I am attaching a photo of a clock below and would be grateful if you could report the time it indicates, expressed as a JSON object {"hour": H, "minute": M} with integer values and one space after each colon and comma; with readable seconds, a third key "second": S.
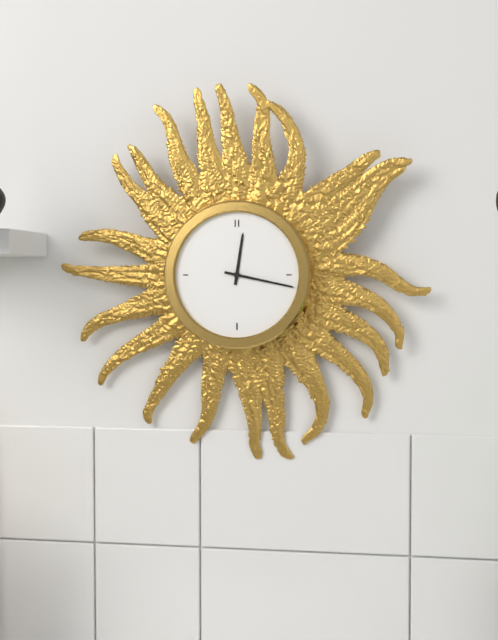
{"hour": 12, "minute": 17}
